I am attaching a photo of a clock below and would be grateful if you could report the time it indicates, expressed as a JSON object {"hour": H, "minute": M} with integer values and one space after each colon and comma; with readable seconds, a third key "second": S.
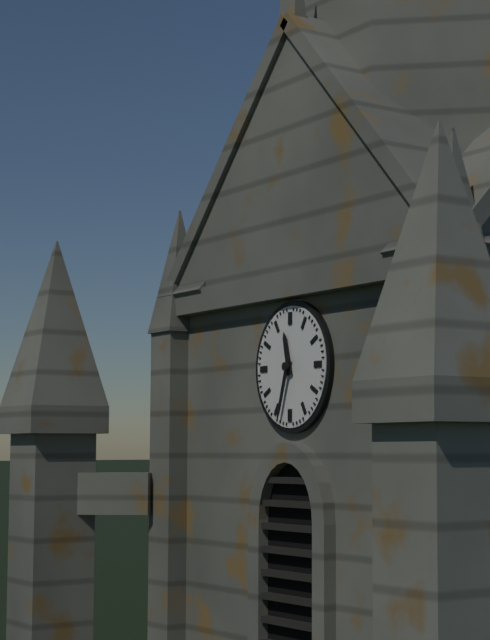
{"hour": 11, "minute": 33}
